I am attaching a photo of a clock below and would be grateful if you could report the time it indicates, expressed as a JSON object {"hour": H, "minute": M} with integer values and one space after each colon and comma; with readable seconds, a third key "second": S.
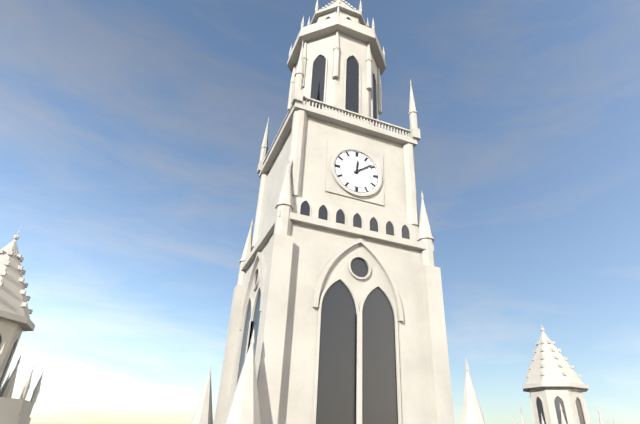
{"hour": 12, "minute": 9}
